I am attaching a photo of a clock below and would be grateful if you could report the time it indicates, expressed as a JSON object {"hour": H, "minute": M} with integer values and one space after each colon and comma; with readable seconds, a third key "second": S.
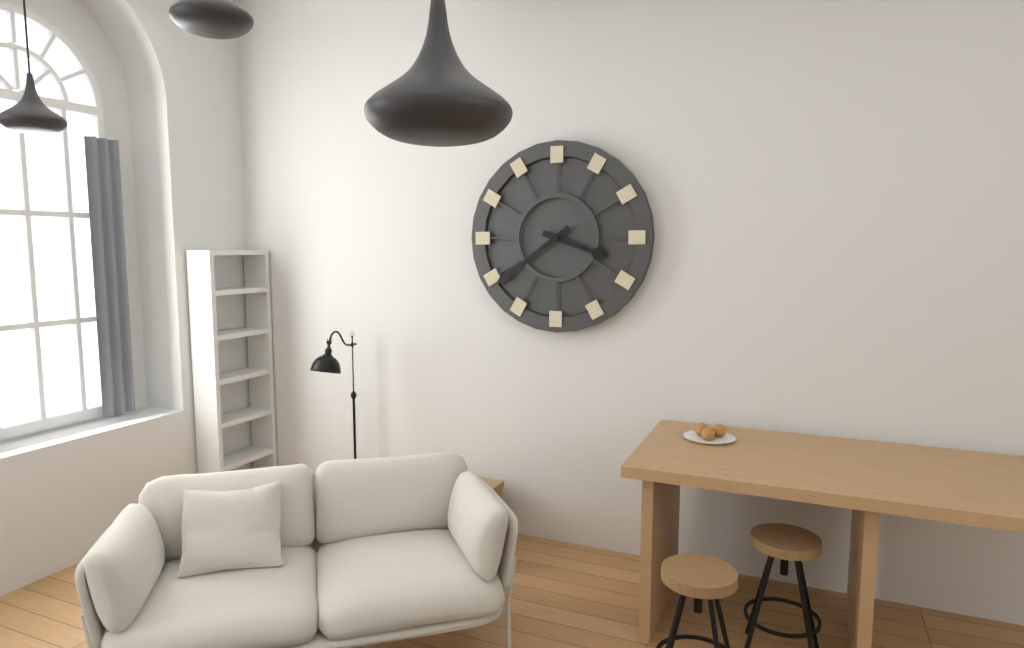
{"hour": 3, "minute": 39}
